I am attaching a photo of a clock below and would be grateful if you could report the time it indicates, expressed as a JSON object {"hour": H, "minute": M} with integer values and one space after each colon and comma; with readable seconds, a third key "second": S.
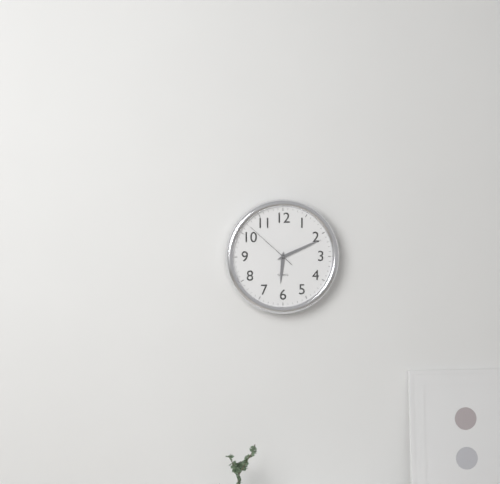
{"hour": 6, "minute": 11, "second": 52}
